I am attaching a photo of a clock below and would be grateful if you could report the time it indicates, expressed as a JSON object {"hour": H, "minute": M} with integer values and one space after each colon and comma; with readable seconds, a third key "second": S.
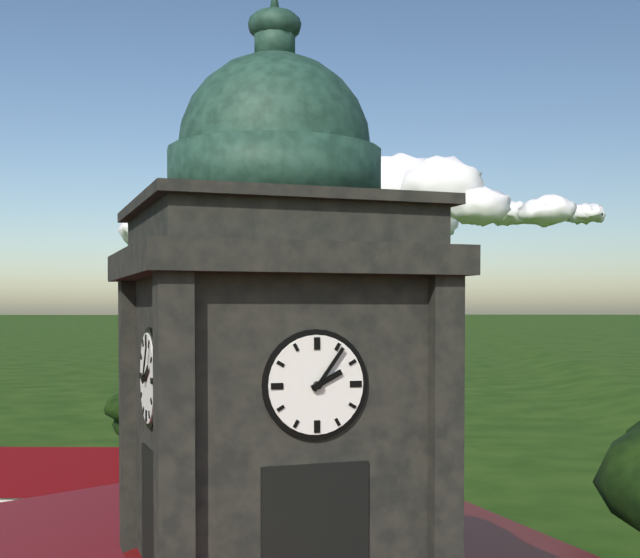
{"hour": 2, "minute": 6}
